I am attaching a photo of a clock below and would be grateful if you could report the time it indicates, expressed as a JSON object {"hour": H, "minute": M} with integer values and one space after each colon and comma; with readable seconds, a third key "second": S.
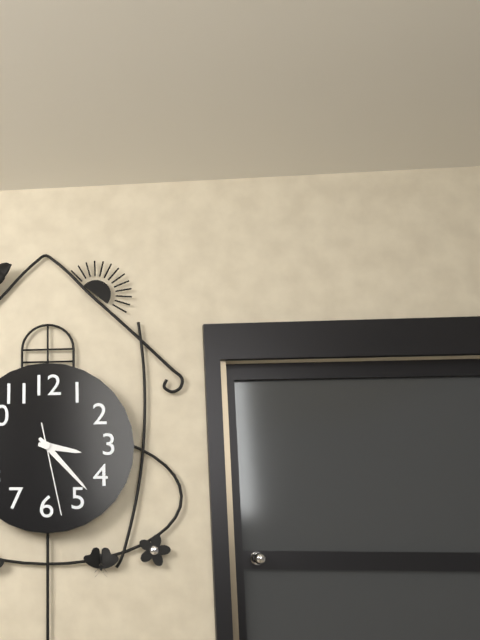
{"hour": 3, "minute": 23, "second": 28}
